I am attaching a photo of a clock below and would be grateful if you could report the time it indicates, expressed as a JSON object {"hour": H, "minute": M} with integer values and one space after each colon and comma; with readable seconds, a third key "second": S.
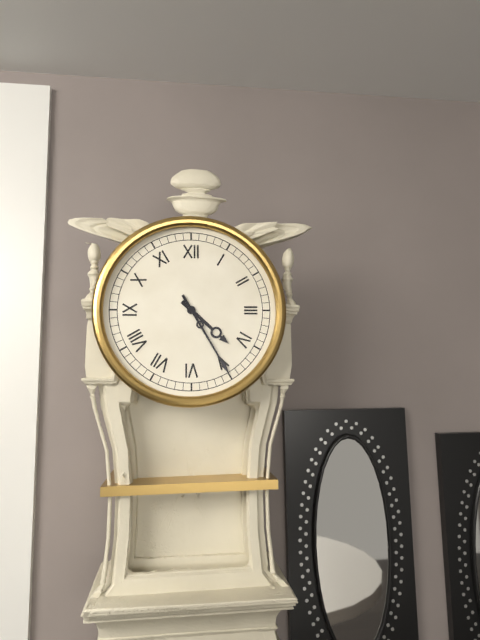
{"hour": 4, "minute": 25}
